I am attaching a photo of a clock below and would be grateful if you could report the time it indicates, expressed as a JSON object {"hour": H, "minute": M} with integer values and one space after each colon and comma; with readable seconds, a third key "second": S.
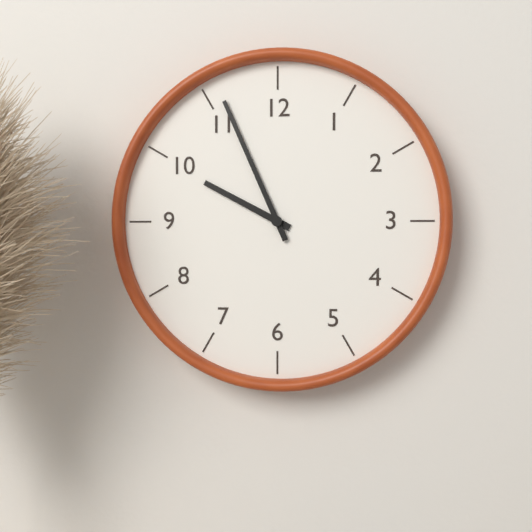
{"hour": 9, "minute": 56}
